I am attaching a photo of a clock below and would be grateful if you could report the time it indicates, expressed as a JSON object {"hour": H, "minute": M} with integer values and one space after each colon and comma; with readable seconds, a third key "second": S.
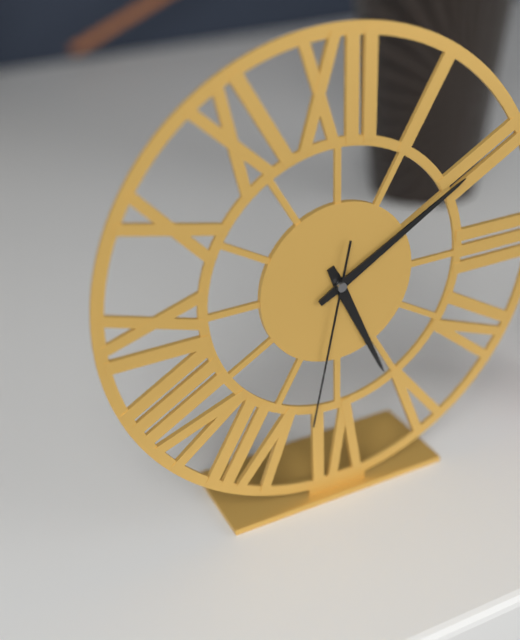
{"hour": 5, "minute": 10, "second": 32}
